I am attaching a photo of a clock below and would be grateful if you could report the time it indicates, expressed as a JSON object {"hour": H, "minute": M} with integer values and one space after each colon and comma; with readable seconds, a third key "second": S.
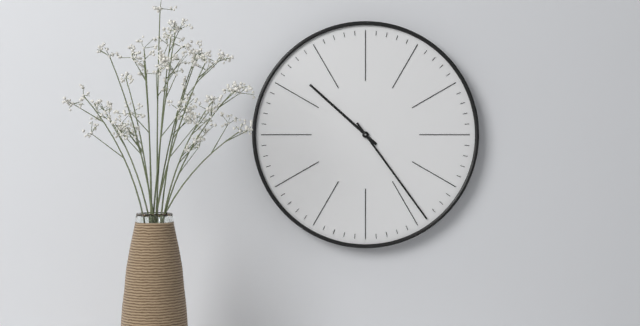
{"hour": 10, "minute": 24}
